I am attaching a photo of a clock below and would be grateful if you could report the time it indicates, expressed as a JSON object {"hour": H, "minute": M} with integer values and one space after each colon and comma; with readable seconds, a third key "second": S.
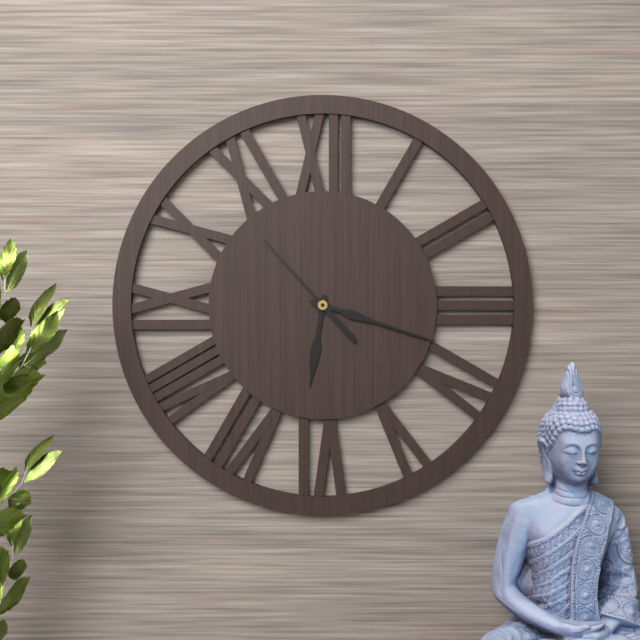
{"hour": 6, "minute": 18, "second": 53}
